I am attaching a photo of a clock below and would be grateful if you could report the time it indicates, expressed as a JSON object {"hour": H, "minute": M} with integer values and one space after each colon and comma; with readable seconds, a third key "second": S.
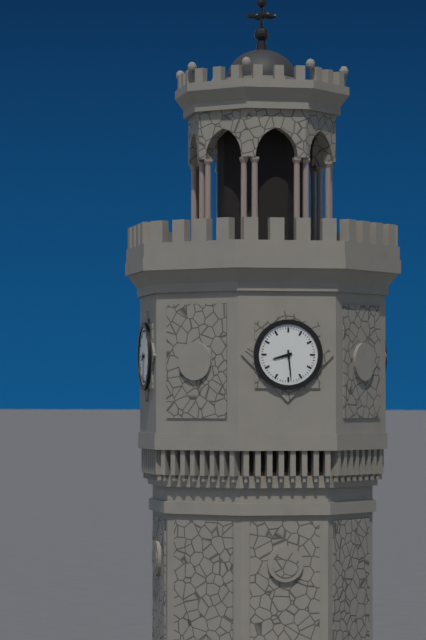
{"hour": 8, "minute": 29}
